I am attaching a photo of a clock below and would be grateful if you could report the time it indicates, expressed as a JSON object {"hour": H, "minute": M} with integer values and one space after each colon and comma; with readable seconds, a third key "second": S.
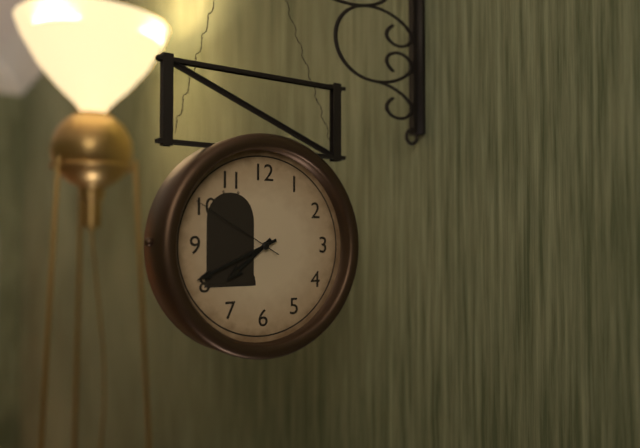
{"hour": 7, "minute": 41, "second": 50}
